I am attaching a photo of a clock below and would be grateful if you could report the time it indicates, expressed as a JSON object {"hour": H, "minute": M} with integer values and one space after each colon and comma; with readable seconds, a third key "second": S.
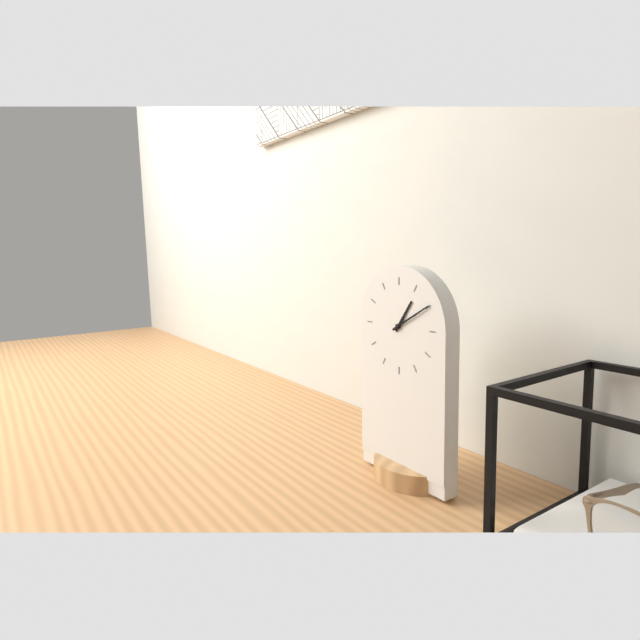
{"hour": 1, "minute": 10}
